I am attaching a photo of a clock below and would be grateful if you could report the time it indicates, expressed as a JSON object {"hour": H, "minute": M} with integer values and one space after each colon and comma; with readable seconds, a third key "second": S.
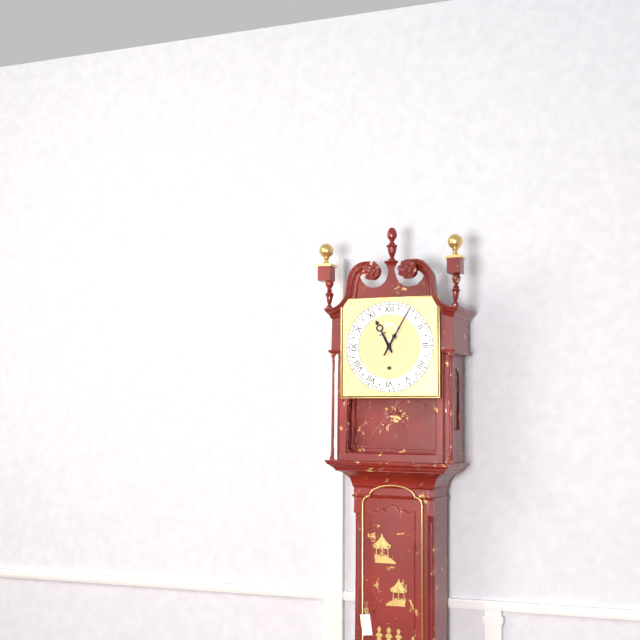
{"hour": 11, "minute": 5}
